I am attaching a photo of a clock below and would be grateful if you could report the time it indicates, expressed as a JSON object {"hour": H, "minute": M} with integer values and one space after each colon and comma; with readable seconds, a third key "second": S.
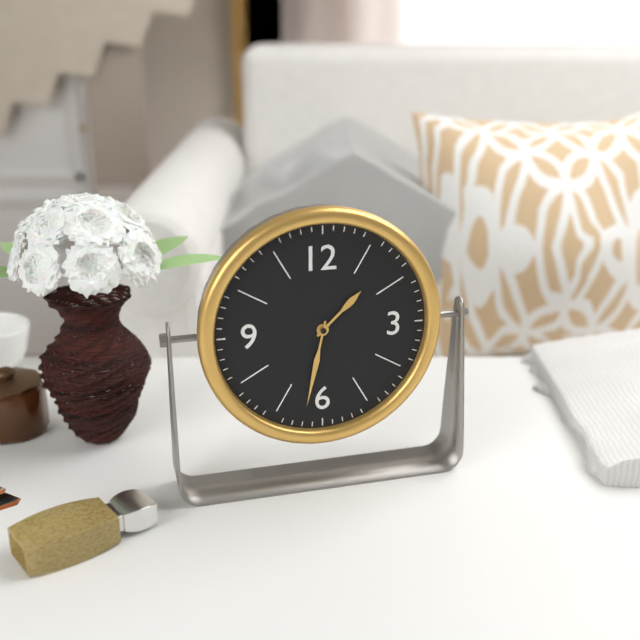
{"hour": 1, "minute": 32}
